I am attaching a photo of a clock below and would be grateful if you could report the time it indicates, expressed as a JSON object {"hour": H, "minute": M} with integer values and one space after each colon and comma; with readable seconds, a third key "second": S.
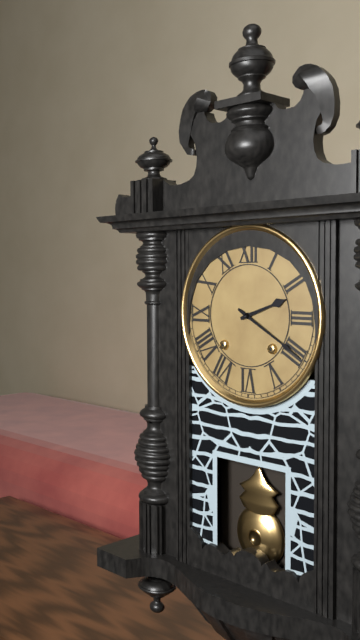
{"hour": 2, "minute": 20}
